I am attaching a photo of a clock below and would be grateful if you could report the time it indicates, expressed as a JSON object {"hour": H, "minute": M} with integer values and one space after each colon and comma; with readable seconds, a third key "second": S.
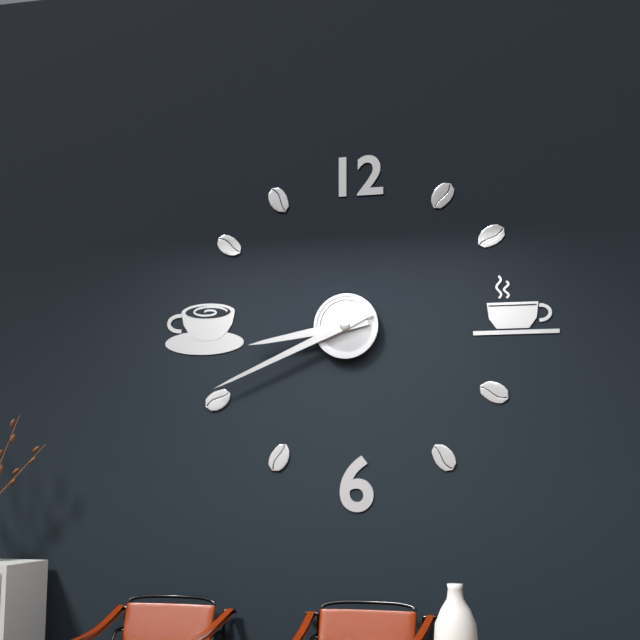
{"hour": 8, "minute": 41}
